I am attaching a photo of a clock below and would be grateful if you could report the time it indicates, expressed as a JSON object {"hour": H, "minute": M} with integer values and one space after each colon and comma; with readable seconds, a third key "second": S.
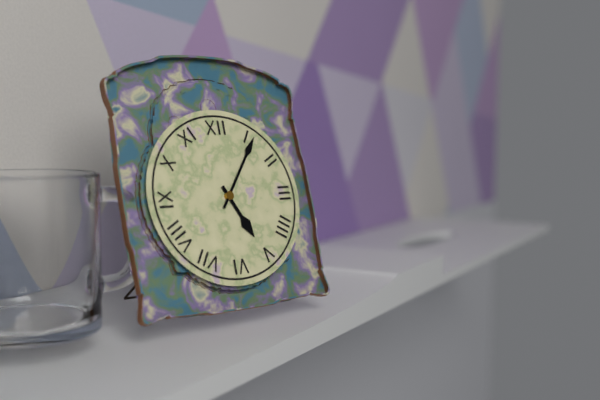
{"hour": 5, "minute": 6}
